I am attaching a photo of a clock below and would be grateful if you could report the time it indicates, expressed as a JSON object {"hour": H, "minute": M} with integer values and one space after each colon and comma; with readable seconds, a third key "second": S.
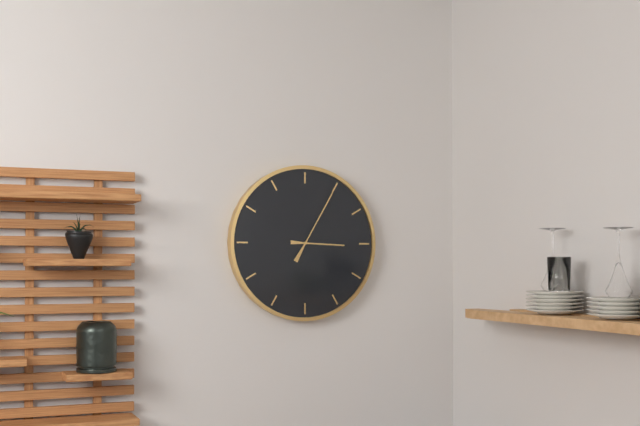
{"hour": 3, "minute": 5}
